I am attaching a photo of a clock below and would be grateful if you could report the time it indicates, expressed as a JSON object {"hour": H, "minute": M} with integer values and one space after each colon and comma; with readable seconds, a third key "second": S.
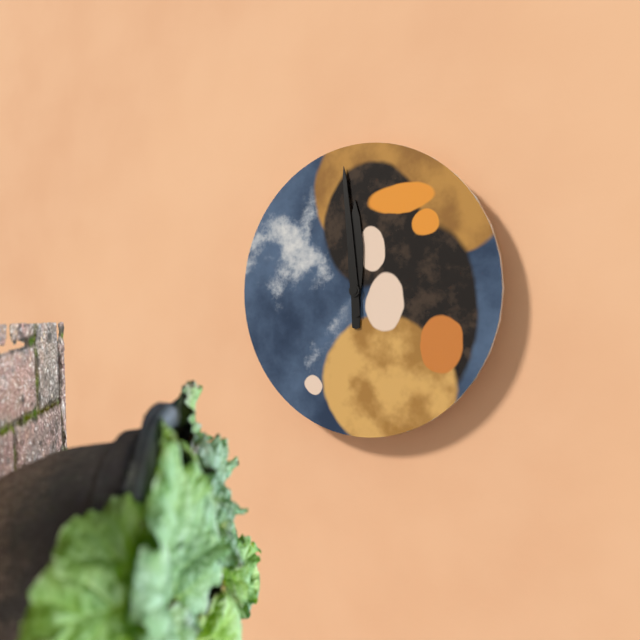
{"hour": 11, "minute": 59}
